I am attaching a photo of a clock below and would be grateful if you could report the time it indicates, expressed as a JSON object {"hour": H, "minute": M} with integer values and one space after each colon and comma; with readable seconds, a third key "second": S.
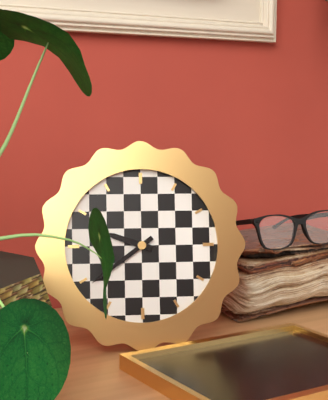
{"hour": 9, "minute": 39}
